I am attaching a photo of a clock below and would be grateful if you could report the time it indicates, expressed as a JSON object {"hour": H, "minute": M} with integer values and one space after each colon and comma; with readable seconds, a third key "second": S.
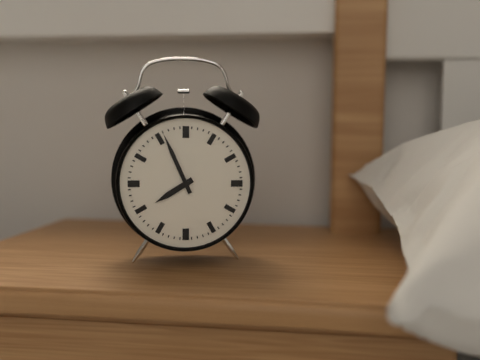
{"hour": 7, "minute": 56}
